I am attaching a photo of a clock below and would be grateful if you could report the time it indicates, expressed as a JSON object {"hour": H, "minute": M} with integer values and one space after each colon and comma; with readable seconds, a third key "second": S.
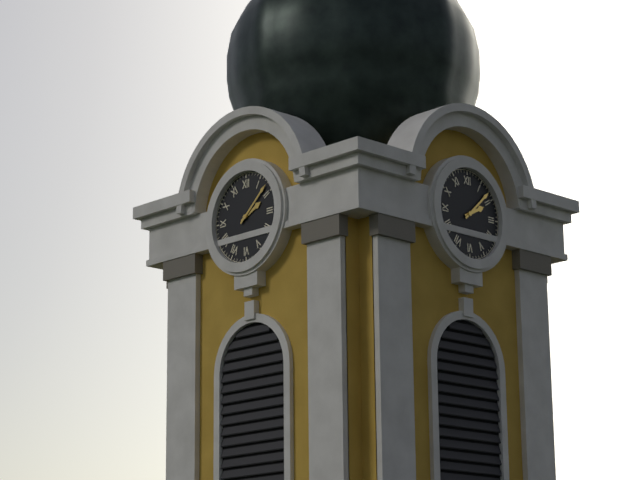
{"hour": 2, "minute": 8}
